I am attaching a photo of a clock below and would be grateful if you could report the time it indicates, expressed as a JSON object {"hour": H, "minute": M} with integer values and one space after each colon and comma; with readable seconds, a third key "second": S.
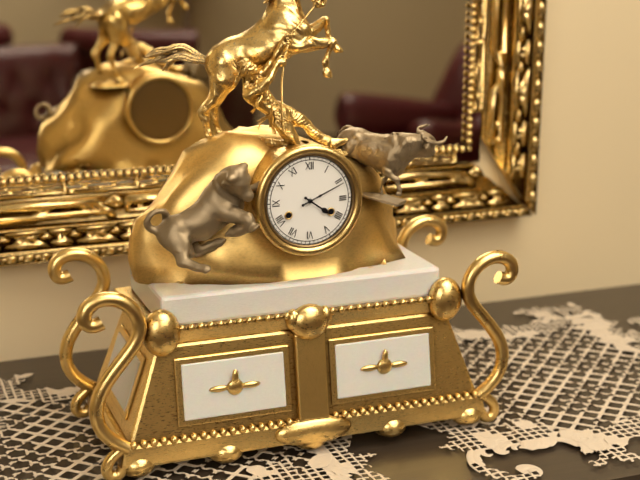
{"hour": 4, "minute": 11}
